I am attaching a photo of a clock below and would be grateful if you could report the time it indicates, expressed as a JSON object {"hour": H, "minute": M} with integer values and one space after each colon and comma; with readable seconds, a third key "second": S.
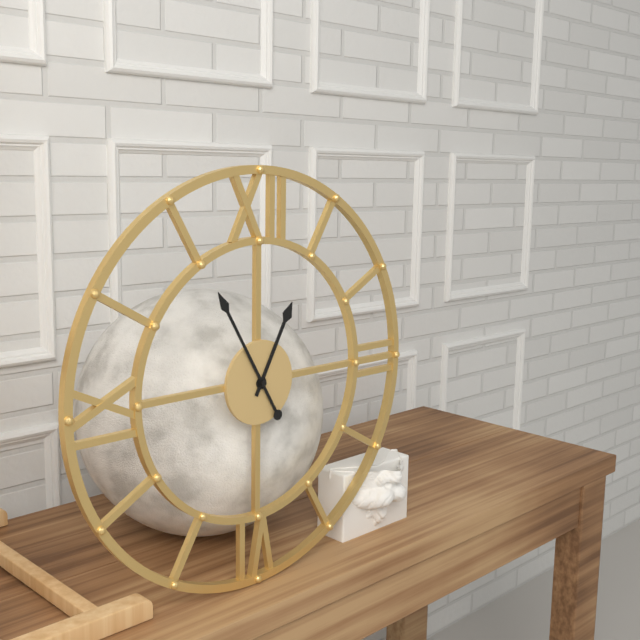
{"hour": 12, "minute": 55}
